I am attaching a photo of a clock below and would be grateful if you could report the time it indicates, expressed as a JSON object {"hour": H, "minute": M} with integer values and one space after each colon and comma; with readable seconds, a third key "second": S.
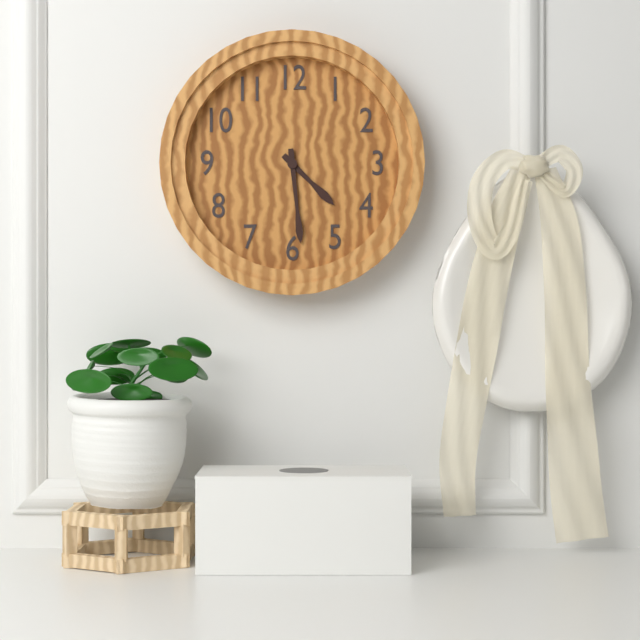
{"hour": 4, "minute": 29}
